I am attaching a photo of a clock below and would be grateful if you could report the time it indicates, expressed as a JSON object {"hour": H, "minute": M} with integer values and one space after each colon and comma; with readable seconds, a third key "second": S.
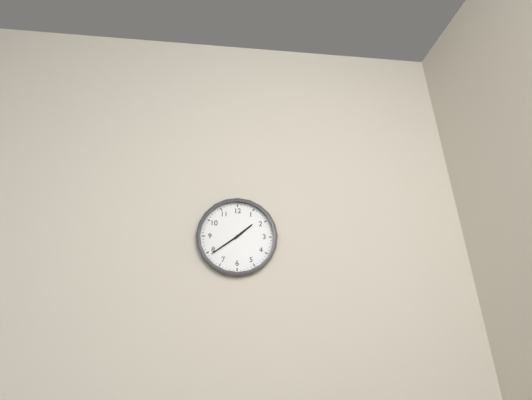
{"hour": 1, "minute": 39}
